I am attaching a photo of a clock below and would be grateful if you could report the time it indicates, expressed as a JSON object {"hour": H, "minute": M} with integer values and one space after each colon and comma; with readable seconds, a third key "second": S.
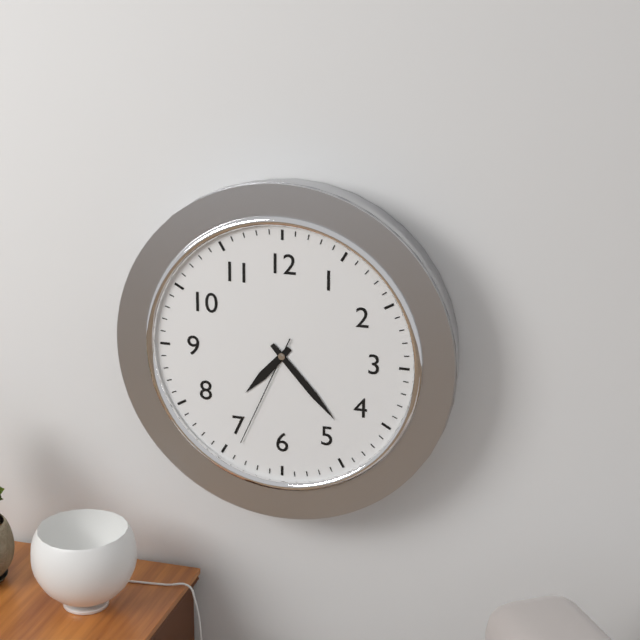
{"hour": 7, "minute": 23, "second": 34}
